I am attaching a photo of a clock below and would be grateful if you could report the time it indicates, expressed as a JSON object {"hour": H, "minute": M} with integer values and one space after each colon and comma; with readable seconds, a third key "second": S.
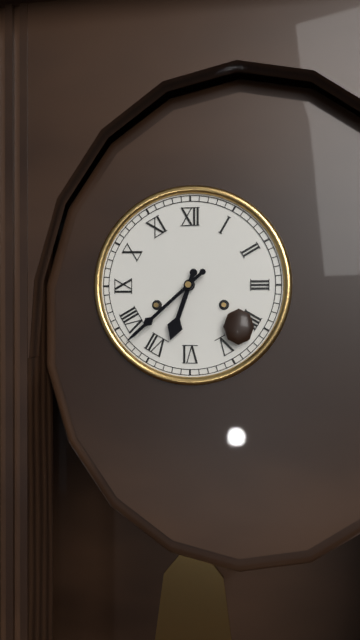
{"hour": 6, "minute": 38}
